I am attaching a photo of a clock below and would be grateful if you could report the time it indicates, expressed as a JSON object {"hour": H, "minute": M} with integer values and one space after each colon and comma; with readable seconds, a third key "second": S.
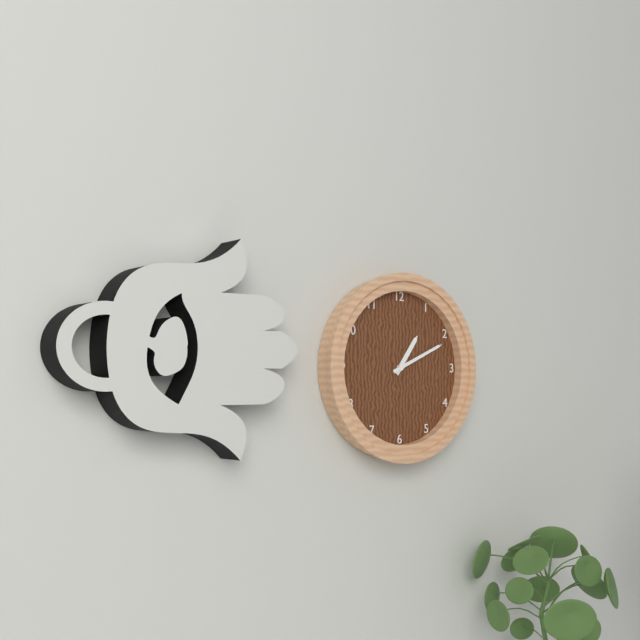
{"hour": 1, "minute": 11}
